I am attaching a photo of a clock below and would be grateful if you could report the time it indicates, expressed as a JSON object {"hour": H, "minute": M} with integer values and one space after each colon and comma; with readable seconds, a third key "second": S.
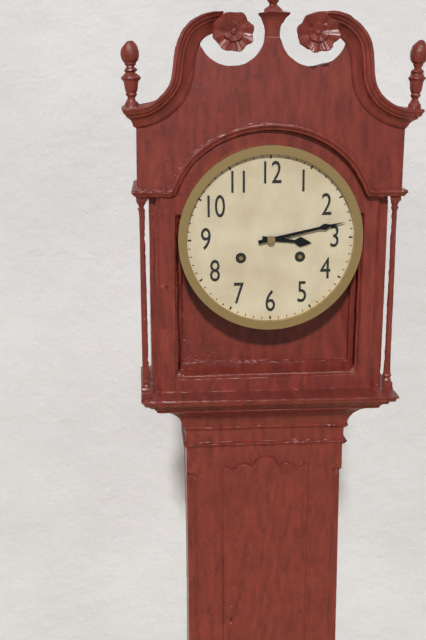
{"hour": 3, "minute": 13}
